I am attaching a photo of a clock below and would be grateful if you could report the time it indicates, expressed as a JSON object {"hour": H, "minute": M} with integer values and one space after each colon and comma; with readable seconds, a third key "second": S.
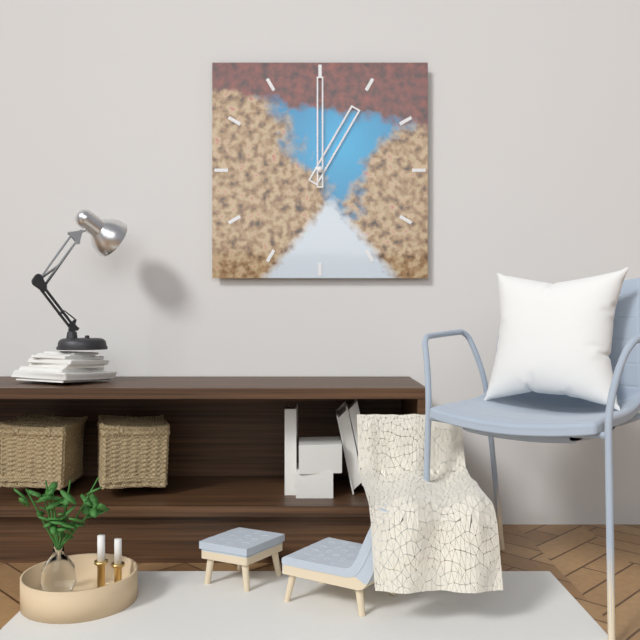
{"hour": 1, "minute": 0}
